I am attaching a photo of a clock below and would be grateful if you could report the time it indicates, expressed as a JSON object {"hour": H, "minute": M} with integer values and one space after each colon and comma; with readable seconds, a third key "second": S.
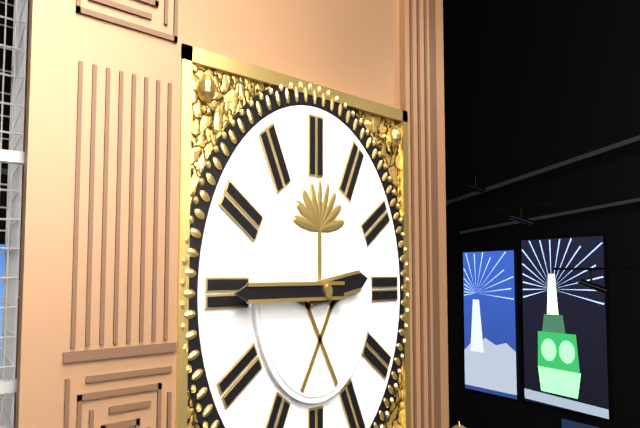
{"hour": 2, "minute": 45}
